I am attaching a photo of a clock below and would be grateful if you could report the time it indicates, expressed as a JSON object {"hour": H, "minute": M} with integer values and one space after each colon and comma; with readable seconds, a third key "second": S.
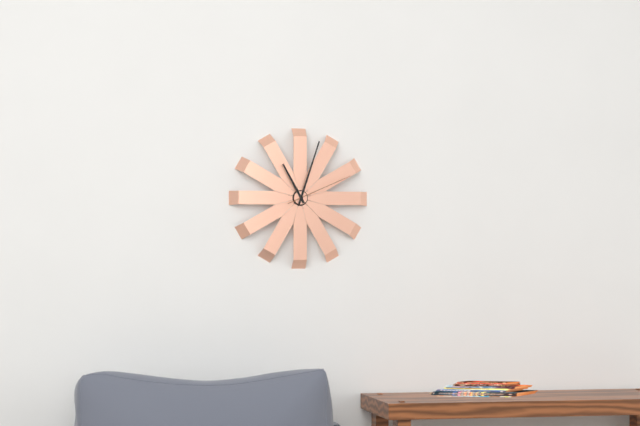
{"hour": 11, "minute": 3, "second": 11}
